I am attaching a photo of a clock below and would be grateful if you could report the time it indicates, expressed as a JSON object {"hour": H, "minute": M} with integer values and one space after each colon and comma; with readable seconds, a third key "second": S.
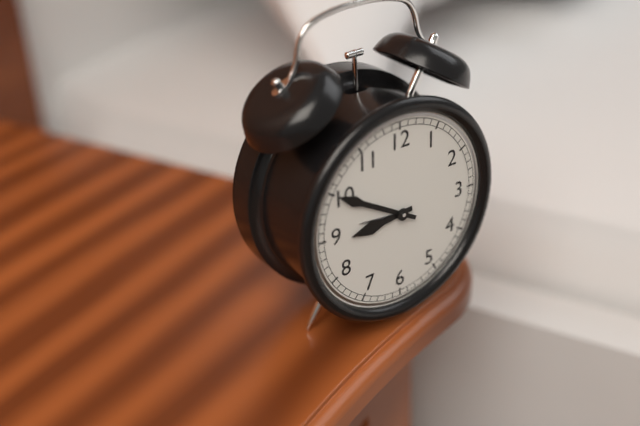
{"hour": 8, "minute": 50}
